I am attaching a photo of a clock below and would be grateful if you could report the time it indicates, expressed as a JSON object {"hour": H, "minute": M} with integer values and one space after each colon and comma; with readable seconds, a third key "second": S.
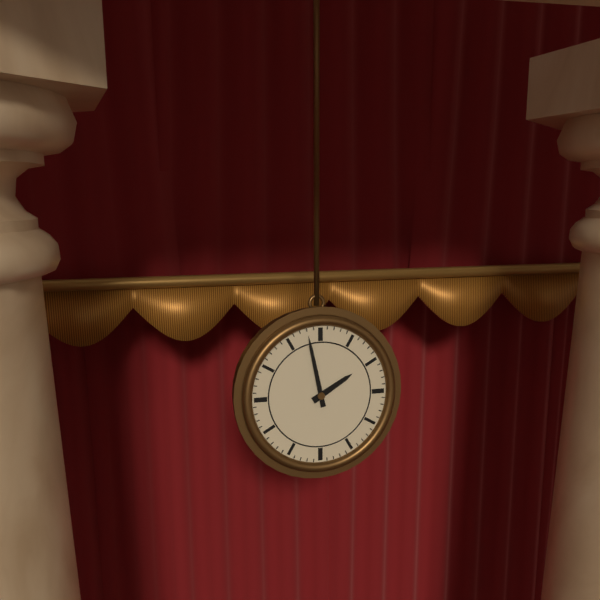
{"hour": 1, "minute": 58}
